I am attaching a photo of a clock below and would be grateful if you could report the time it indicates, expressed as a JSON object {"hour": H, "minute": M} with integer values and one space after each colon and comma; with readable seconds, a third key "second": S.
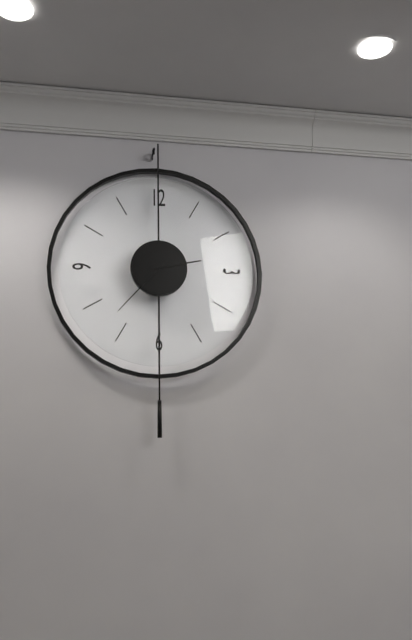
{"hour": 2, "minute": 37}
